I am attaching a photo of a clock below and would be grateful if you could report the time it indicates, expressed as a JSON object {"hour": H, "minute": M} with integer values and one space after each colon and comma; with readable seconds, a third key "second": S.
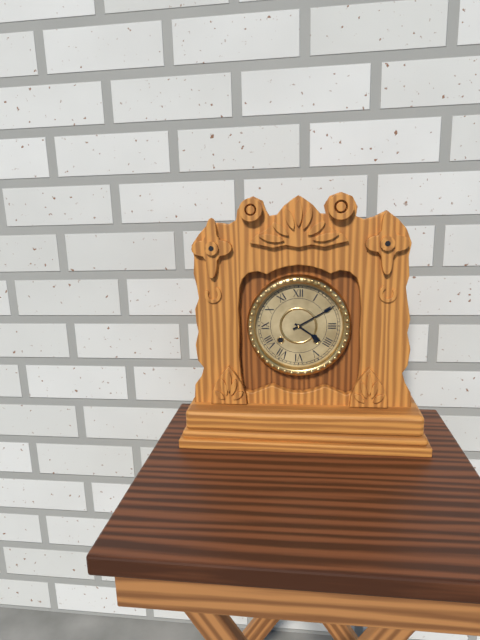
{"hour": 4, "minute": 10}
